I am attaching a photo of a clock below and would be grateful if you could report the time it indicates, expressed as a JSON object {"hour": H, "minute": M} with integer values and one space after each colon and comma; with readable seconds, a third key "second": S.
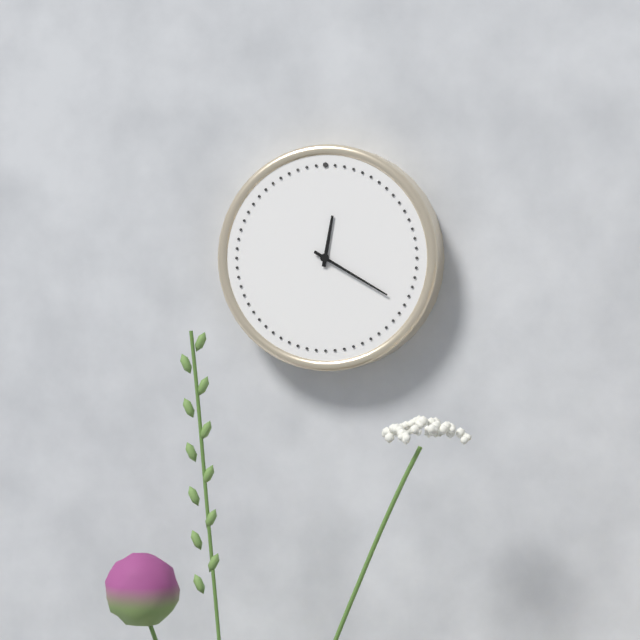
{"hour": 12, "minute": 20}
